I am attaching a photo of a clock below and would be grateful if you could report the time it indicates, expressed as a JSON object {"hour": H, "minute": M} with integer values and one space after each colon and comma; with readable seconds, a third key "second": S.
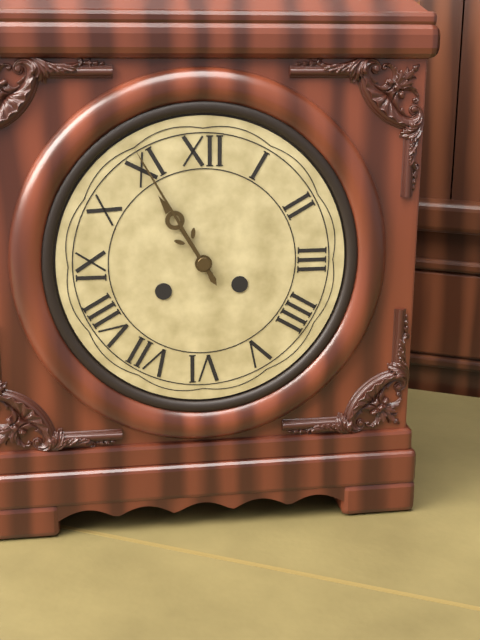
{"hour": 10, "minute": 55}
